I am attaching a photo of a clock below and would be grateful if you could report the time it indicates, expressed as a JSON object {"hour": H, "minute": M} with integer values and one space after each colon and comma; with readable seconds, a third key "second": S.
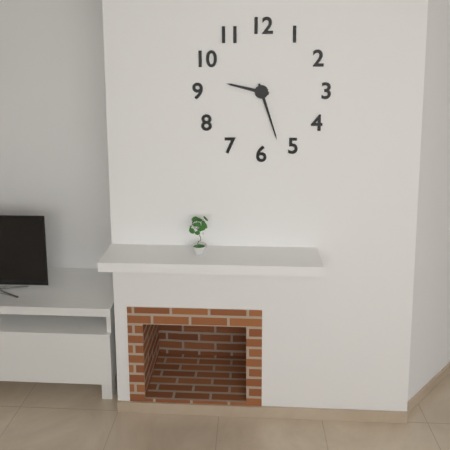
{"hour": 9, "minute": 27}
